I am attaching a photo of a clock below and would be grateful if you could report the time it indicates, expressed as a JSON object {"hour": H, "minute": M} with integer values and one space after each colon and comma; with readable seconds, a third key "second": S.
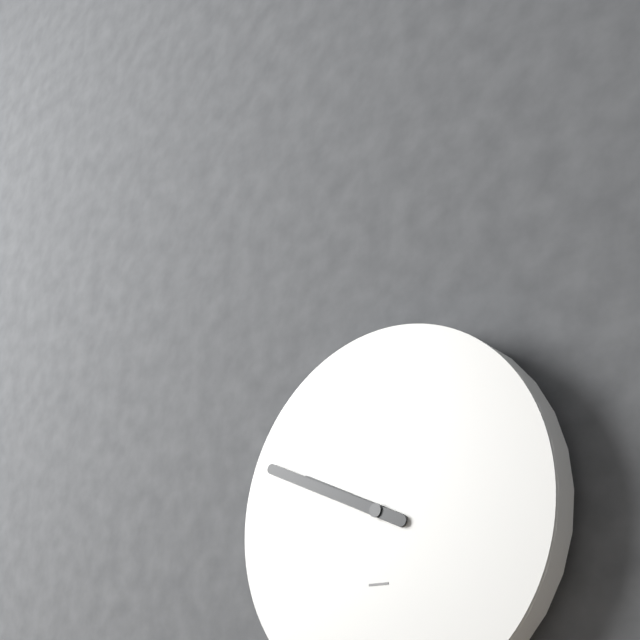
{"hour": 9, "minute": 49}
